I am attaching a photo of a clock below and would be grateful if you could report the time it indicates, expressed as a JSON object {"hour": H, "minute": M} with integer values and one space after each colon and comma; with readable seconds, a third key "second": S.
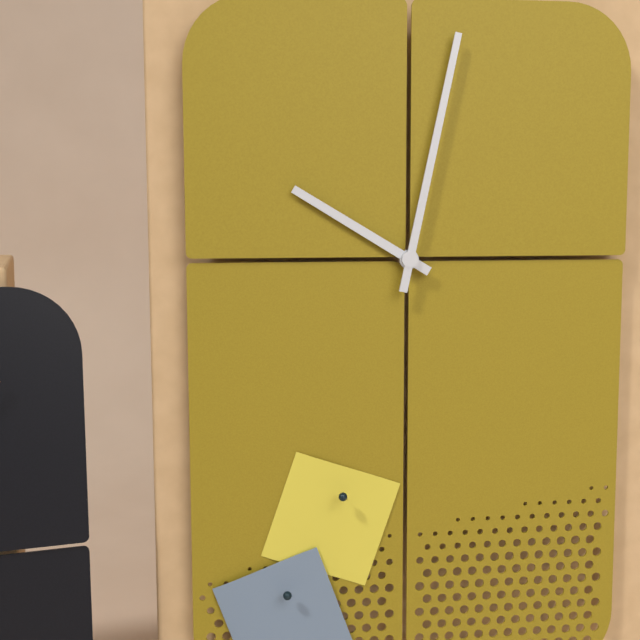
{"hour": 10, "minute": 2}
